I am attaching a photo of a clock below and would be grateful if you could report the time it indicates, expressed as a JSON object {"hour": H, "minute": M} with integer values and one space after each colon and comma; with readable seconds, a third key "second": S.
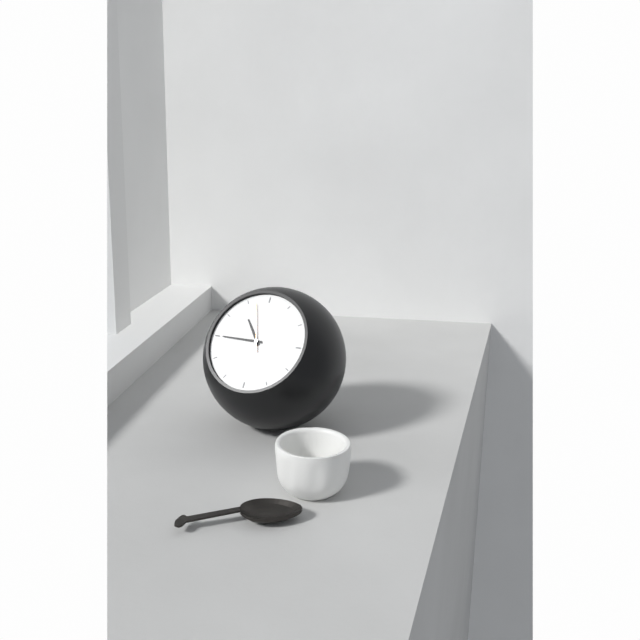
{"hour": 10, "minute": 45, "second": 57}
